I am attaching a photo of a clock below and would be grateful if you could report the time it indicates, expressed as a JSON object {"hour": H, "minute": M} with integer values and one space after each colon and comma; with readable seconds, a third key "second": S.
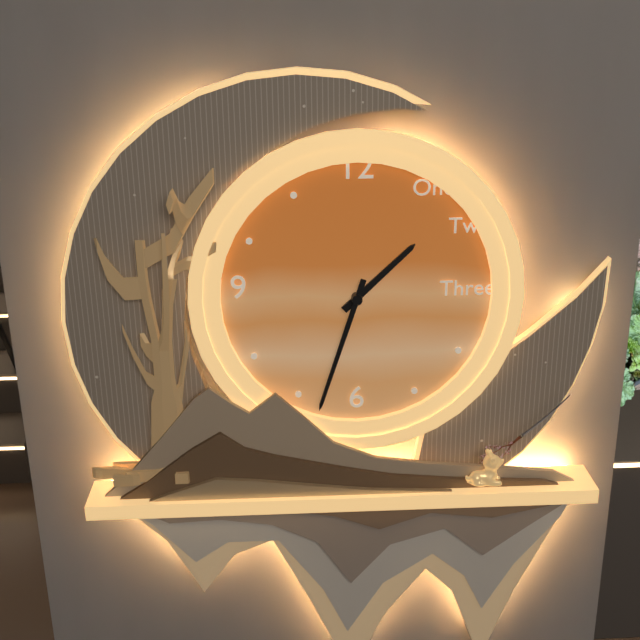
{"hour": 1, "minute": 33}
